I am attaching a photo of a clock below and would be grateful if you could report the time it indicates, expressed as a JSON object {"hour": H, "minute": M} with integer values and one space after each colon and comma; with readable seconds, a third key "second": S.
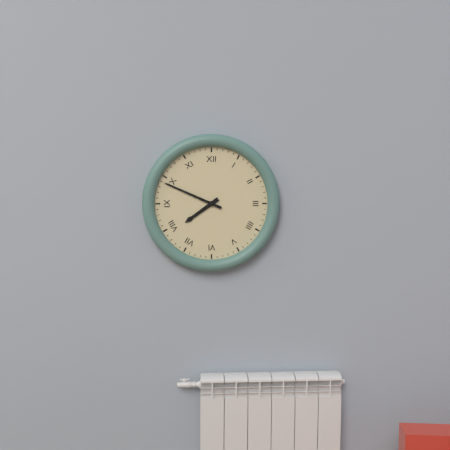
{"hour": 7, "minute": 49}
